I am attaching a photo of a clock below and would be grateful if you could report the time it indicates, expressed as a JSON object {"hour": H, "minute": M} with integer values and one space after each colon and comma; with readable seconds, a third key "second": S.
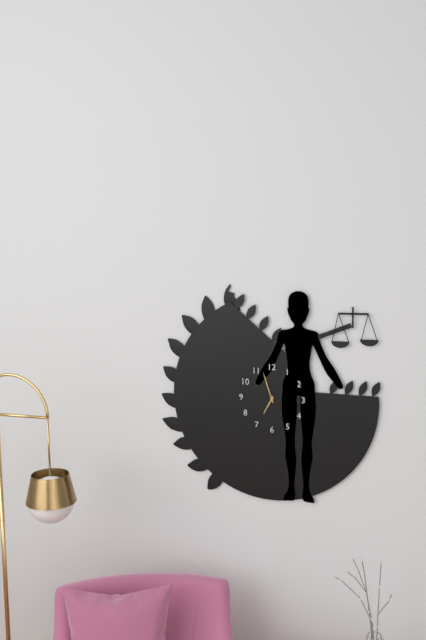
{"hour": 6, "minute": 57}
